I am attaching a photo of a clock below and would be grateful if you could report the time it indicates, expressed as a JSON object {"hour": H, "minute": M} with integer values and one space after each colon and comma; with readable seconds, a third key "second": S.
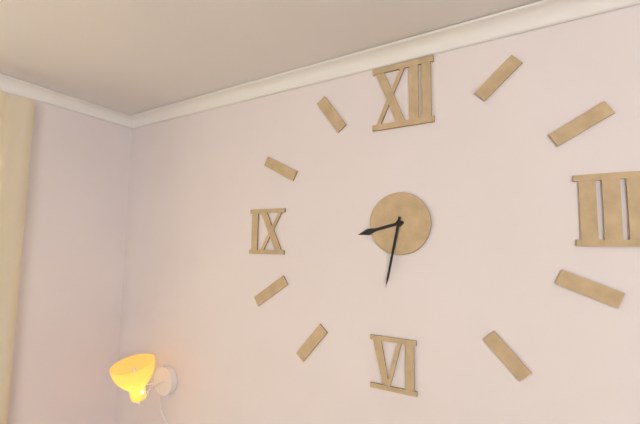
{"hour": 8, "minute": 32}
